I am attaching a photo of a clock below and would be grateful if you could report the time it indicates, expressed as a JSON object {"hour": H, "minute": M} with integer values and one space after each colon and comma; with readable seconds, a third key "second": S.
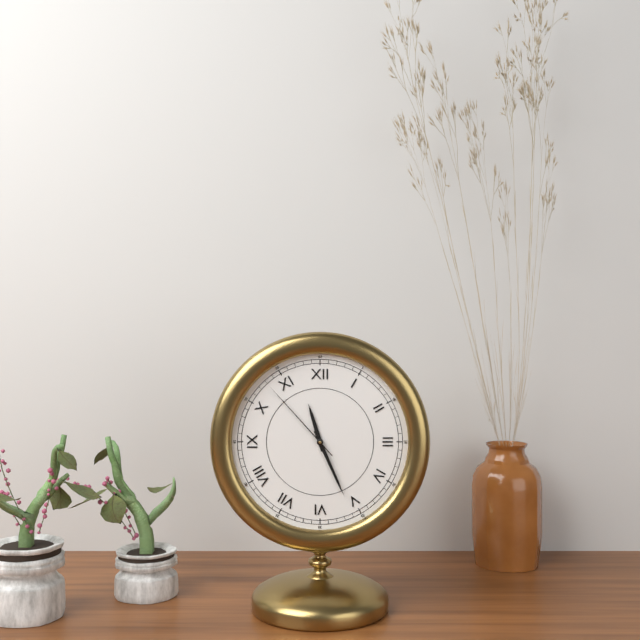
{"hour": 11, "minute": 26, "second": 53}
